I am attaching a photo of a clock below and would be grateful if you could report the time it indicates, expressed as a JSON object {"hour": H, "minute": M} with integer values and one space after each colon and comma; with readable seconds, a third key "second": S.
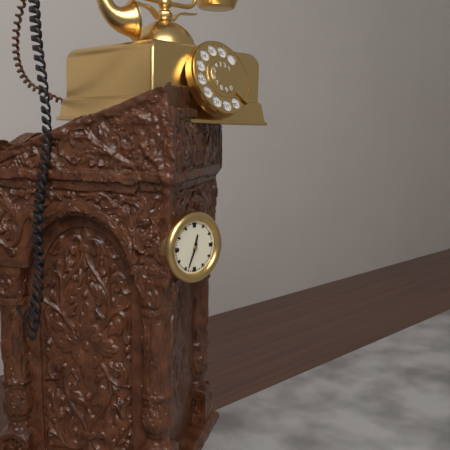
{"hour": 12, "minute": 34}
